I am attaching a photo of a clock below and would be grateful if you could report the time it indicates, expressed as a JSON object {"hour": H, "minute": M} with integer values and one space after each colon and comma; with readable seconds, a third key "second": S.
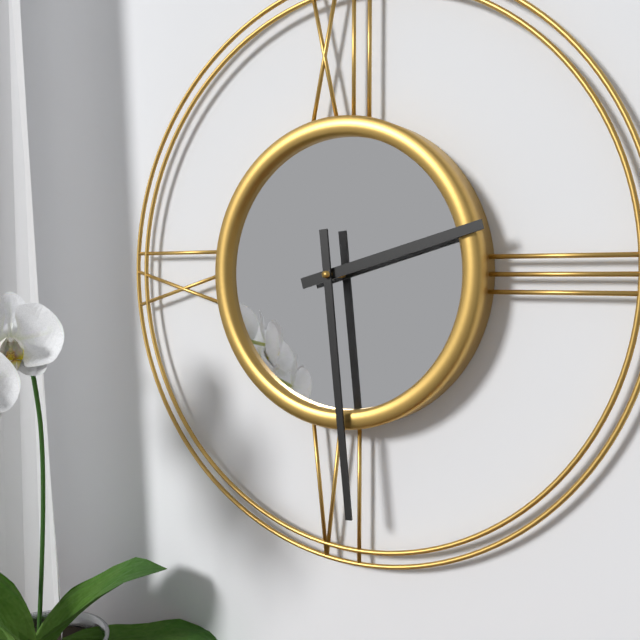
{"hour": 2, "minute": 29}
